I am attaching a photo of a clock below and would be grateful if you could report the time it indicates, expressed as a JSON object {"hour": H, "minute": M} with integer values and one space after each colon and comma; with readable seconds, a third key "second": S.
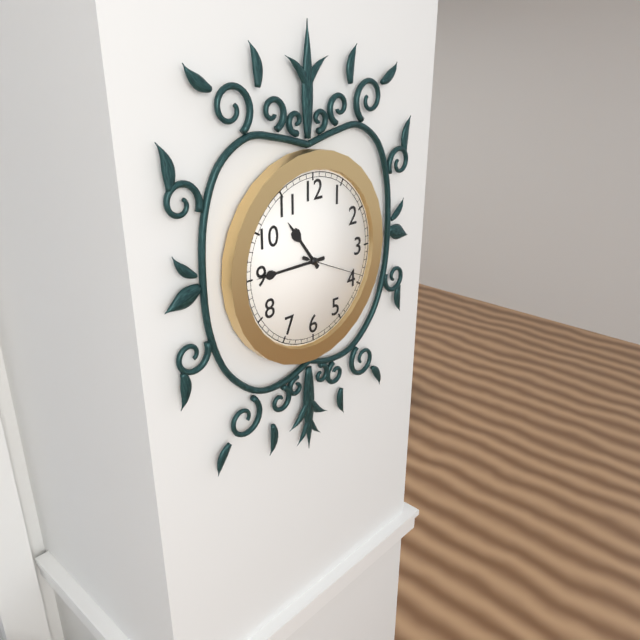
{"hour": 10, "minute": 45, "second": 19}
